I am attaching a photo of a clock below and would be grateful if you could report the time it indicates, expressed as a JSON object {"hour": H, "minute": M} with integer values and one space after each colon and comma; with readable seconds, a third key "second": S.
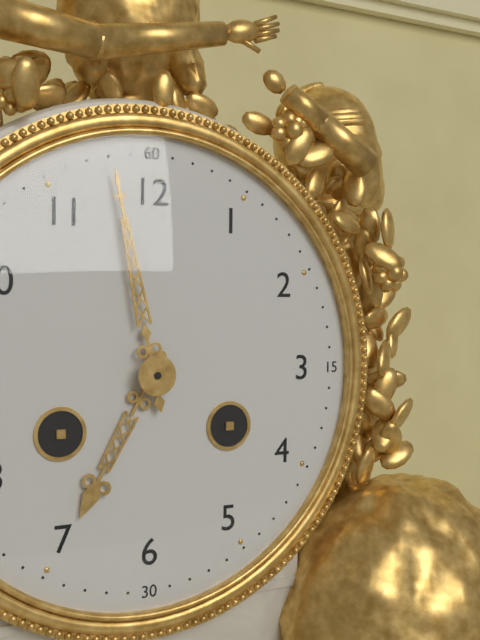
{"hour": 6, "minute": 58}
